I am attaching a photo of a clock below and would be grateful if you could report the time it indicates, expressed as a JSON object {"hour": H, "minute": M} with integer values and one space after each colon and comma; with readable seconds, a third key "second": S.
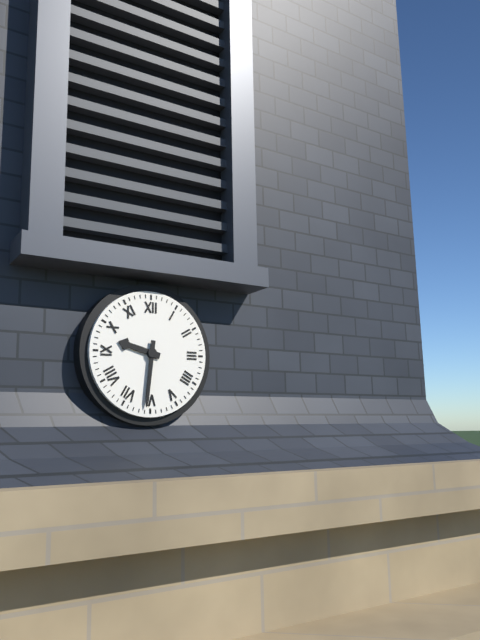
{"hour": 9, "minute": 31}
